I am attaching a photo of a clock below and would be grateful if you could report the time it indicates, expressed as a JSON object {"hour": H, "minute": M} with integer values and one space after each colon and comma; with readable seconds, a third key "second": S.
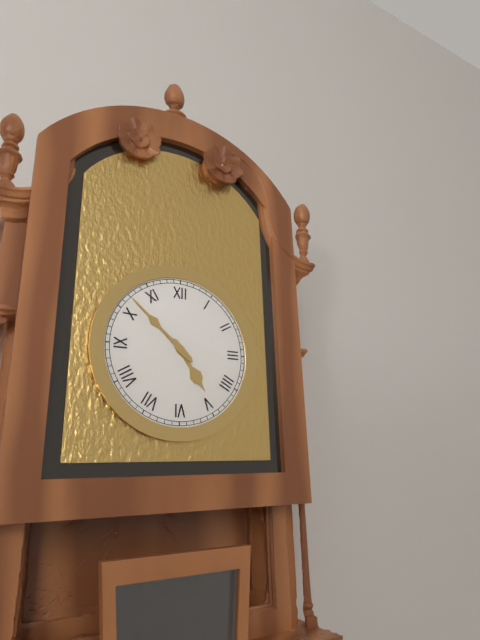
{"hour": 4, "minute": 52}
